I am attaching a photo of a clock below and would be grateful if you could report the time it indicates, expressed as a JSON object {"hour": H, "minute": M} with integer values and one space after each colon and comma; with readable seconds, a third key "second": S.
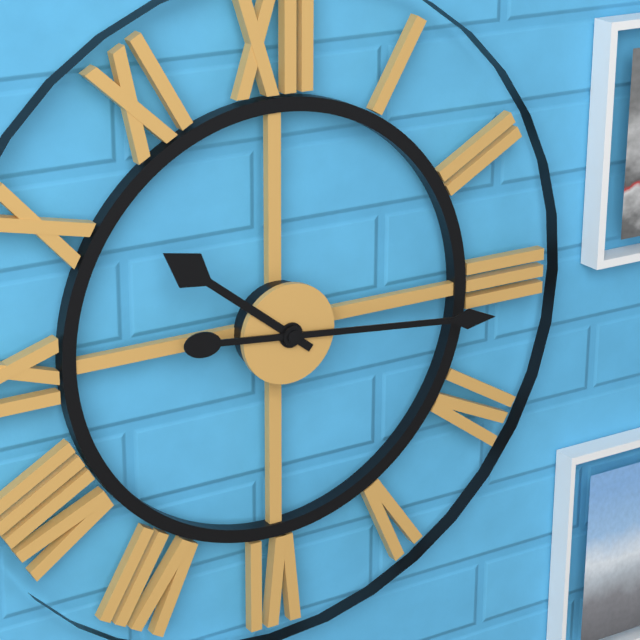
{"hour": 10, "minute": 16}
